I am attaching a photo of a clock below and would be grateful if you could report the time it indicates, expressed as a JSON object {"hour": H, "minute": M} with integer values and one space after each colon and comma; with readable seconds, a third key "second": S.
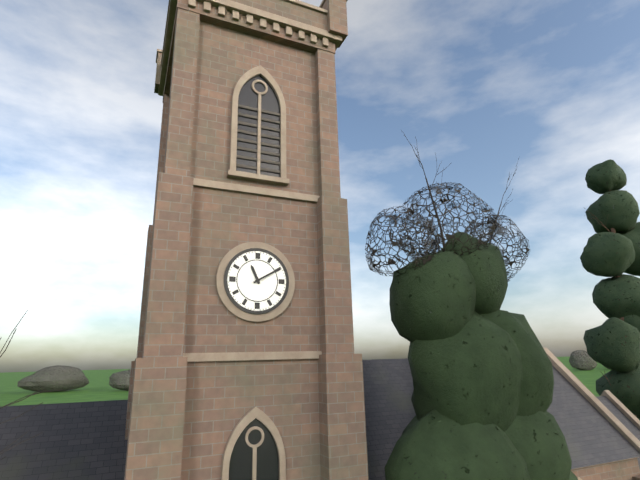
{"hour": 11, "minute": 10}
